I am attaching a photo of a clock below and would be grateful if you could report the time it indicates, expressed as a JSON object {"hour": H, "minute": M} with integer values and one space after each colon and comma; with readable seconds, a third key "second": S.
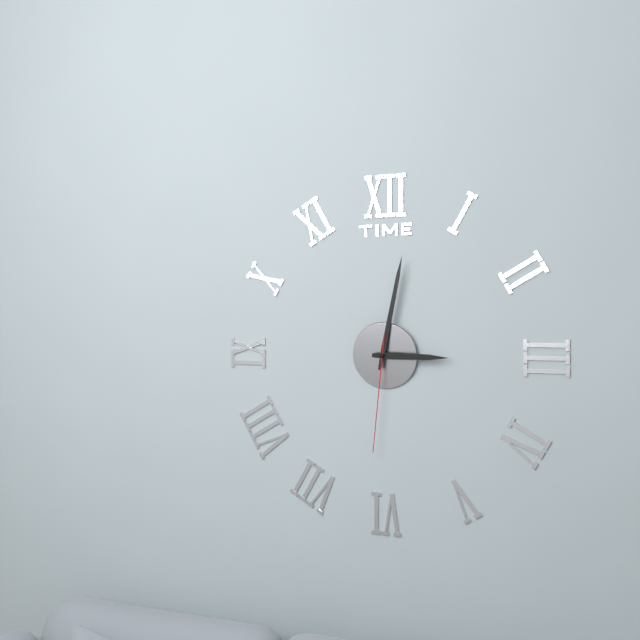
{"hour": 3, "minute": 2, "second": 31}
